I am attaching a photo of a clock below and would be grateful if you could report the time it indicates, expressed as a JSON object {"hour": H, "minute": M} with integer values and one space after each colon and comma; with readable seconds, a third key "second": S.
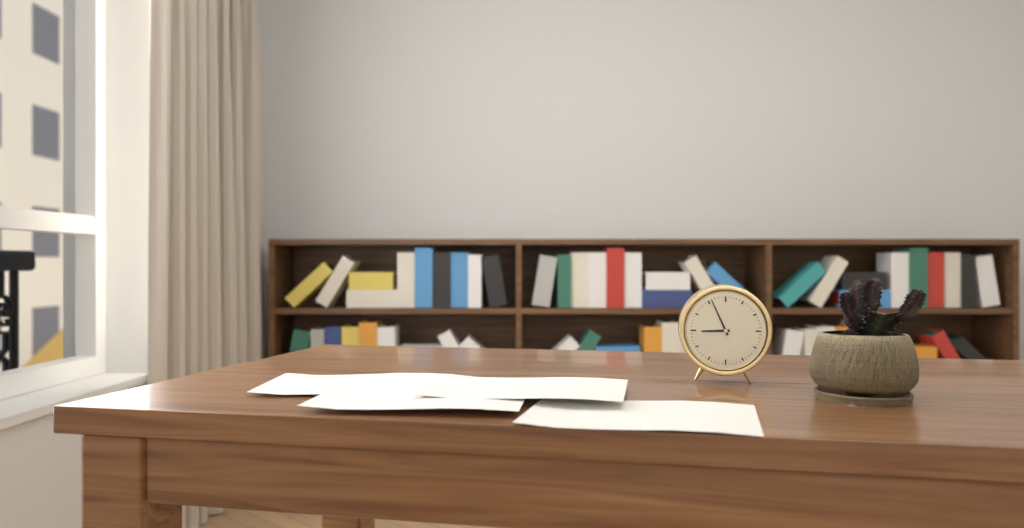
{"hour": 8, "minute": 56}
